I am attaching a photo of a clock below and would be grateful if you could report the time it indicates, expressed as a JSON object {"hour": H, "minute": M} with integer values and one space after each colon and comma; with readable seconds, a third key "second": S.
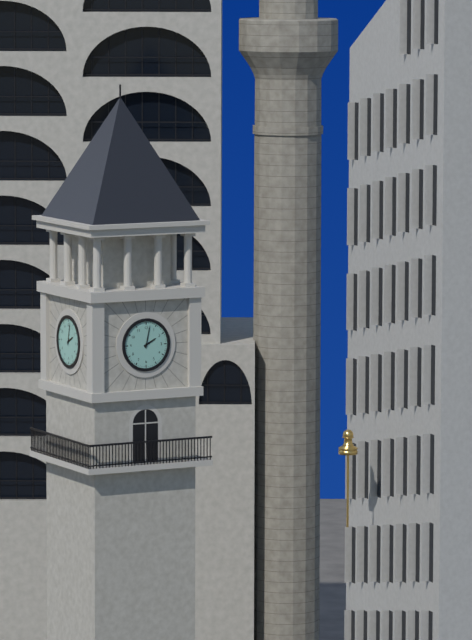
{"hour": 2, "minute": 2}
